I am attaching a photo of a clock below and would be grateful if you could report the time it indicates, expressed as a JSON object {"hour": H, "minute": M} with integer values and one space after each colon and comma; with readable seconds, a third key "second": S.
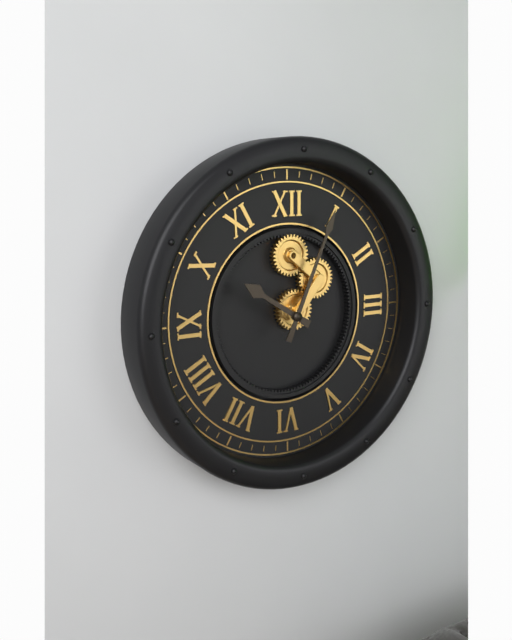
{"hour": 10, "minute": 4}
